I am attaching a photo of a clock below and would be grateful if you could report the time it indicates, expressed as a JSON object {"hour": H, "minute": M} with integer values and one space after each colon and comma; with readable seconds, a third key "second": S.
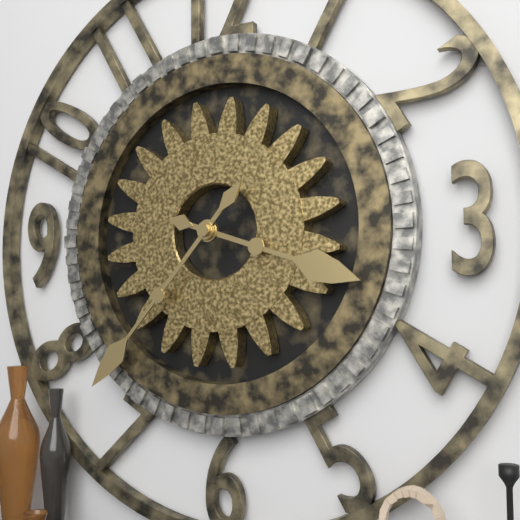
{"hour": 3, "minute": 37}
